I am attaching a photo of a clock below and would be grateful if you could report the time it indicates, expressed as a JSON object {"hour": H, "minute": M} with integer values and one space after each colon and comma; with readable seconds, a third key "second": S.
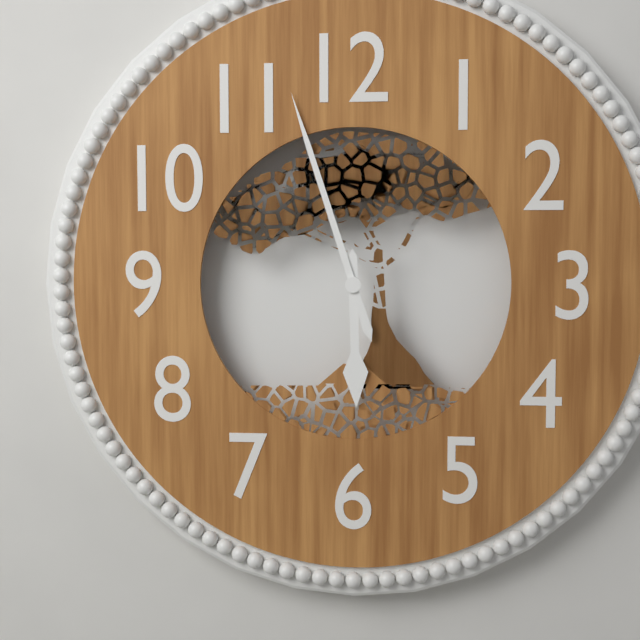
{"hour": 5, "minute": 57}
